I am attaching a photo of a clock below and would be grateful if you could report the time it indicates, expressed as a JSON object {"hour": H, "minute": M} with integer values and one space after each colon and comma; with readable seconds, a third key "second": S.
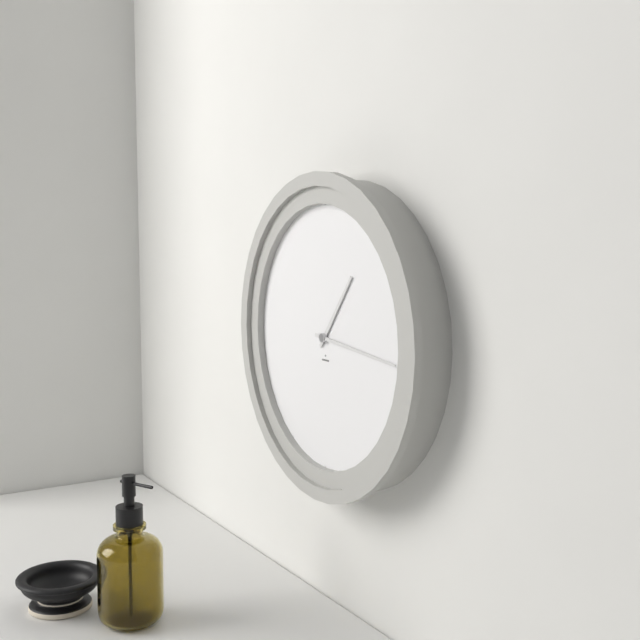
{"hour": 1, "minute": 16}
